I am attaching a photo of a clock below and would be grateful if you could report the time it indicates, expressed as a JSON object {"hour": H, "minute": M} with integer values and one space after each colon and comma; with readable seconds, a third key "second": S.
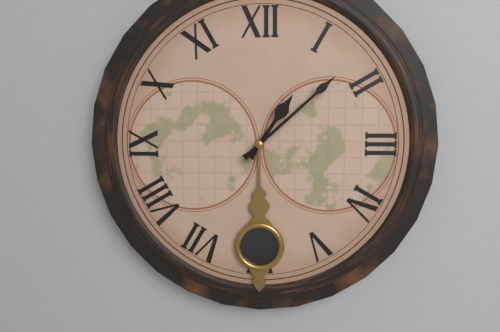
{"hour": 1, "minute": 8}
